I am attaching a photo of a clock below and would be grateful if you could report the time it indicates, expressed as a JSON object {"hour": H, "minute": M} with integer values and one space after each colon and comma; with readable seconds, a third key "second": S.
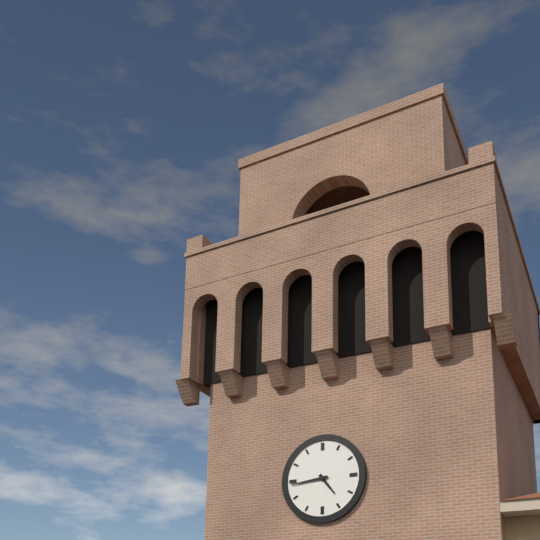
{"hour": 4, "minute": 44}
